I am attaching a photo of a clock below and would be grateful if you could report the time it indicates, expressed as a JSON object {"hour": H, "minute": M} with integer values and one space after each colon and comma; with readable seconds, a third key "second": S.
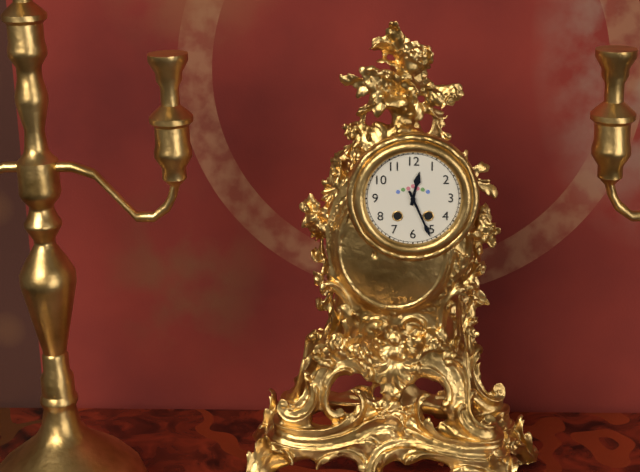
{"hour": 12, "minute": 26}
